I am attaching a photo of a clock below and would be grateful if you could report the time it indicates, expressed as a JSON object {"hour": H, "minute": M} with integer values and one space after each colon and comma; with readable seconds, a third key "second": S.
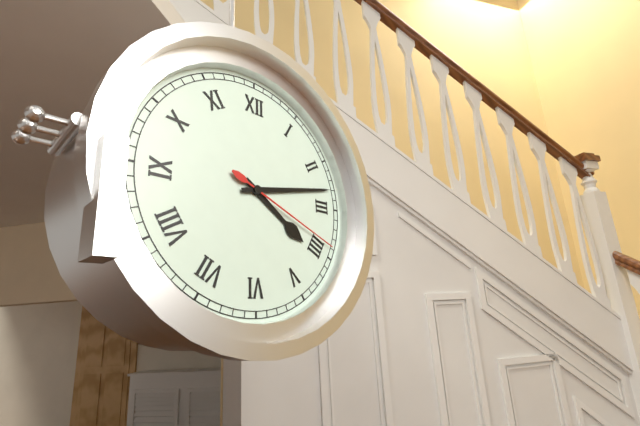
{"hour": 4, "minute": 13, "second": 19}
